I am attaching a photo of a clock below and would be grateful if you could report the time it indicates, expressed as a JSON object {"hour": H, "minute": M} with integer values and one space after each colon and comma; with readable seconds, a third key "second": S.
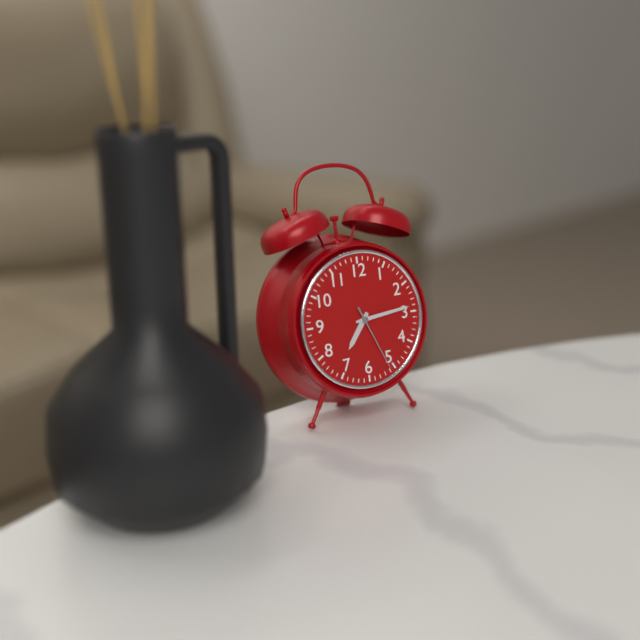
{"hour": 7, "minute": 14, "second": 26}
